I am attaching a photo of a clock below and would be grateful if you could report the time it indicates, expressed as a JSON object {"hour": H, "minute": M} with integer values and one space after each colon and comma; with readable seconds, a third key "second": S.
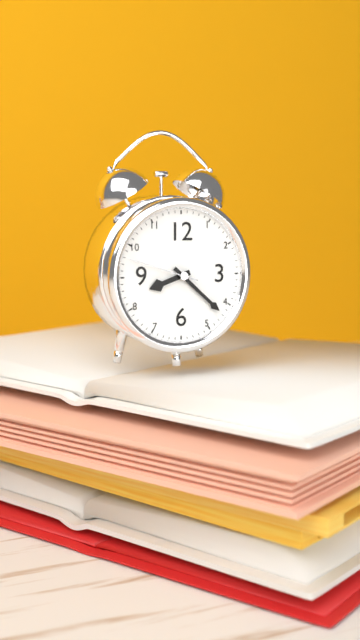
{"hour": 8, "minute": 22, "second": 48}
